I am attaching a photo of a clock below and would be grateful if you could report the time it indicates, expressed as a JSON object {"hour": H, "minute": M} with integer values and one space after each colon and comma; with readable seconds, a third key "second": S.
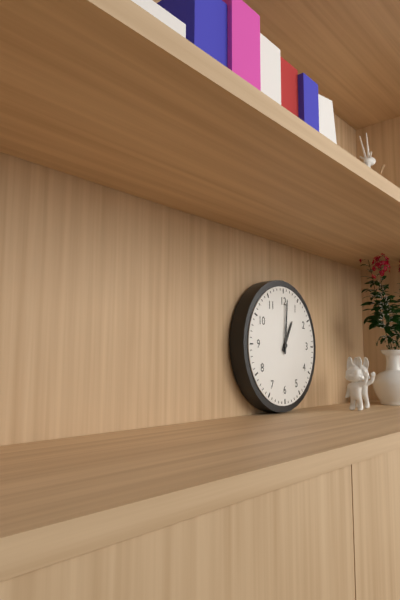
{"hour": 1, "minute": 1}
